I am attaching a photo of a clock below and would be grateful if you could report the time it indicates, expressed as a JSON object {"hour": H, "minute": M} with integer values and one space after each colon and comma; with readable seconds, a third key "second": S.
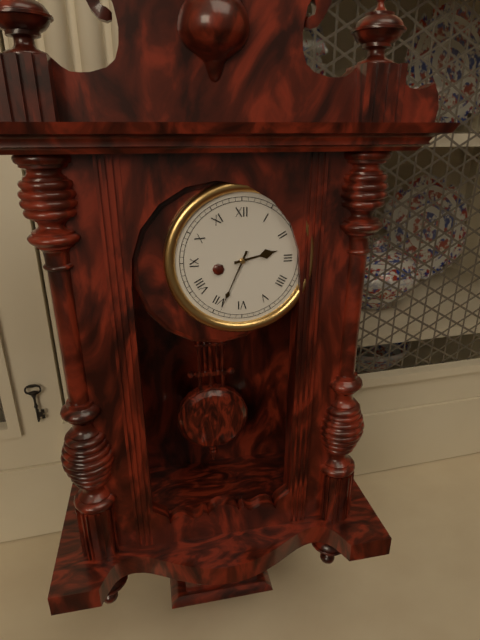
{"hour": 2, "minute": 34}
